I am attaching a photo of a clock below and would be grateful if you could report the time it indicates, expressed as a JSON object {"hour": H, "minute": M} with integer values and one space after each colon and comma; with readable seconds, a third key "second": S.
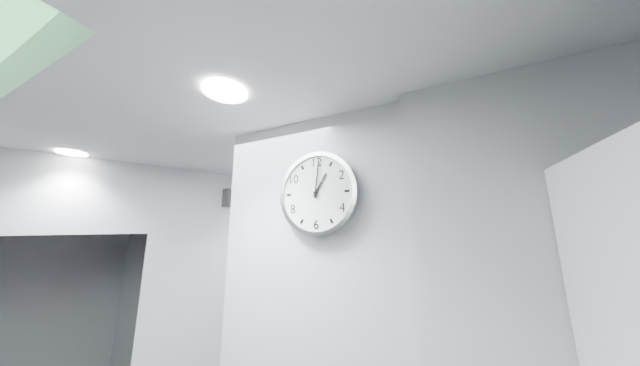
{"hour": 1, "minute": 1}
